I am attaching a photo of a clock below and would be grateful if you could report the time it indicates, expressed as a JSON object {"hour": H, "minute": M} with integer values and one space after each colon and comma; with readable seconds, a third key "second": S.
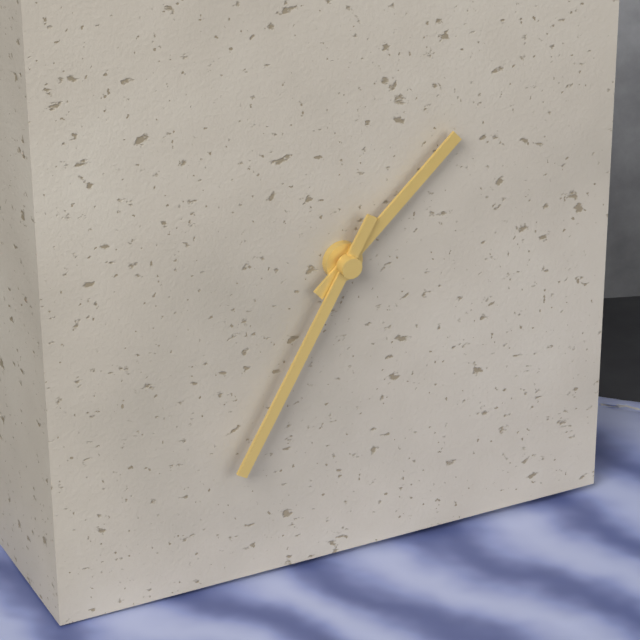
{"hour": 1, "minute": 35}
